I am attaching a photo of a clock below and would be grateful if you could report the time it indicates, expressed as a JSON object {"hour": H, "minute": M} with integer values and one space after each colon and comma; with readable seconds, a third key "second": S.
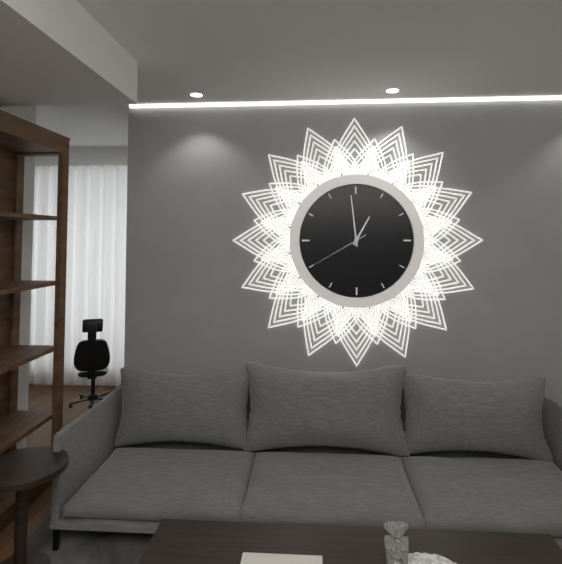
{"hour": 12, "minute": 59, "second": 40}
